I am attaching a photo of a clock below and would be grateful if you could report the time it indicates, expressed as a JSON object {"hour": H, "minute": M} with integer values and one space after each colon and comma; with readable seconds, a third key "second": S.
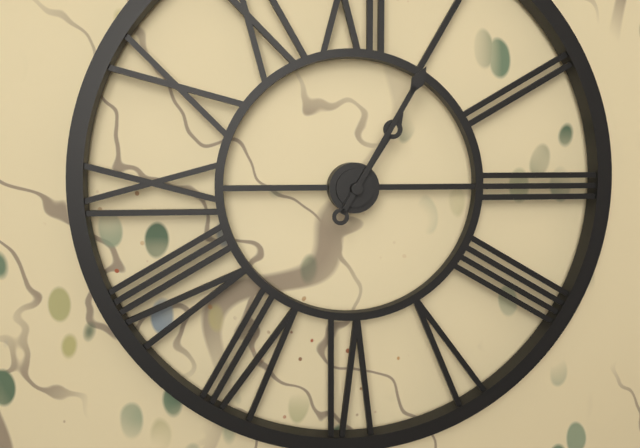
{"hour": 1, "minute": 5}
